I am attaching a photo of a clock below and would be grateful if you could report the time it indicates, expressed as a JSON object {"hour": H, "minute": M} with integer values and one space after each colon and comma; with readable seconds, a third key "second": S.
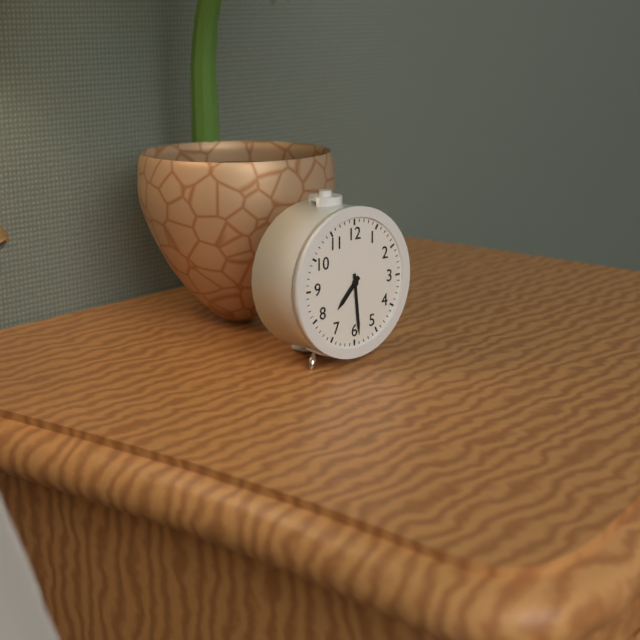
{"hour": 7, "minute": 29}
